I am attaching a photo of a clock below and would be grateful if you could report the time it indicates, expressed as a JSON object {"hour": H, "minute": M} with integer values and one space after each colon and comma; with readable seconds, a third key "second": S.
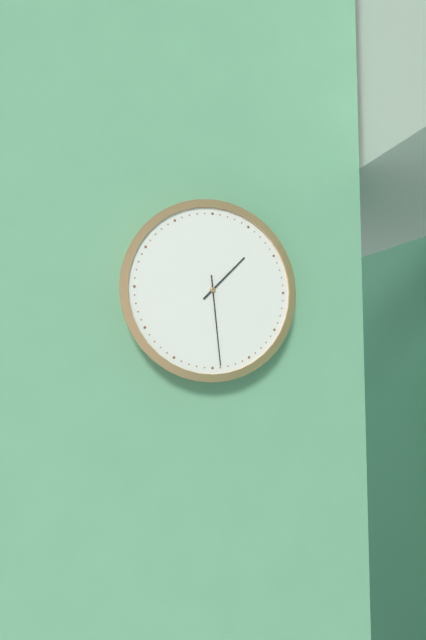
{"hour": 1, "minute": 29}
